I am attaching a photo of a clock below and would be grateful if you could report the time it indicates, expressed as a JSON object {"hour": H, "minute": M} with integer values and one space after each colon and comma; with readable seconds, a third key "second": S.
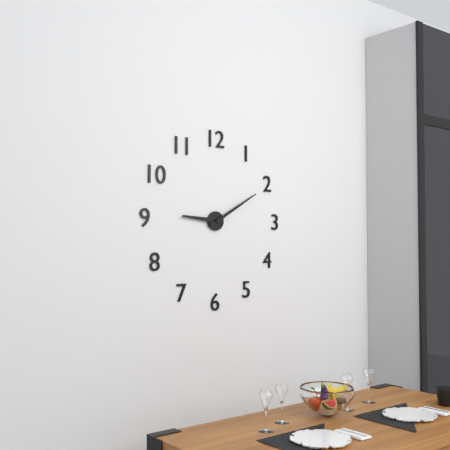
{"hour": 9, "minute": 10}
